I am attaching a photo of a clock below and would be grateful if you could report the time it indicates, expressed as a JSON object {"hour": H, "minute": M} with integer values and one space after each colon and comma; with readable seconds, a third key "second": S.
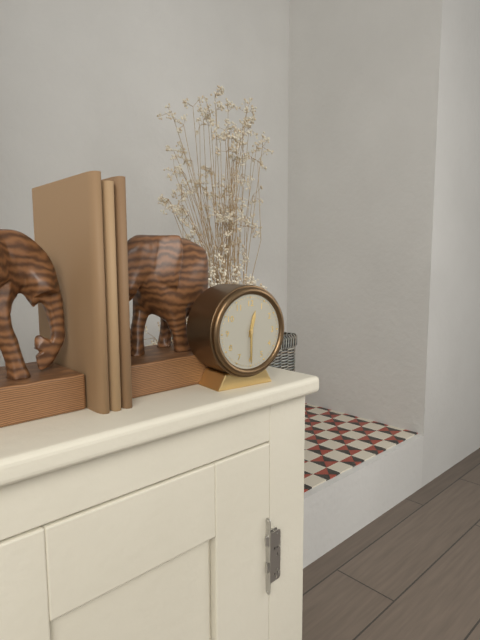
{"hour": 12, "minute": 30}
